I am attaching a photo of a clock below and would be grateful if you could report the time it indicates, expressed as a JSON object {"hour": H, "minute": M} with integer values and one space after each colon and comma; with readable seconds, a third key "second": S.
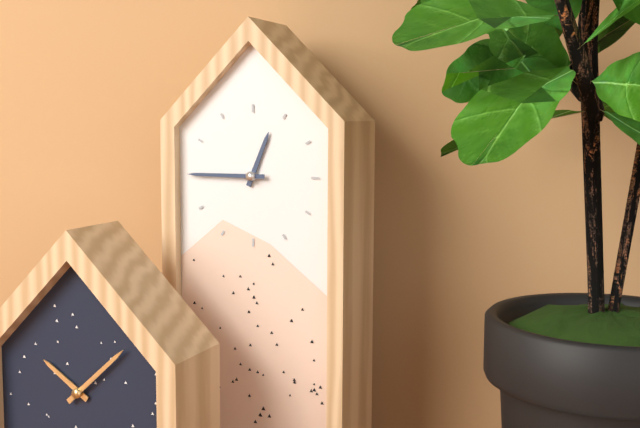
{"hour": 12, "minute": 45}
